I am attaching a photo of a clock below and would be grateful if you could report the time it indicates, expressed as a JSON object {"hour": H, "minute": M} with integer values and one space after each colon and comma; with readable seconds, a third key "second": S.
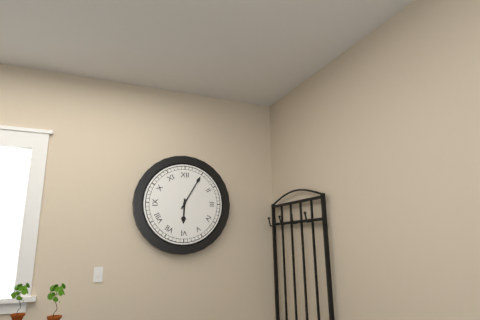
{"hour": 6, "minute": 5}
